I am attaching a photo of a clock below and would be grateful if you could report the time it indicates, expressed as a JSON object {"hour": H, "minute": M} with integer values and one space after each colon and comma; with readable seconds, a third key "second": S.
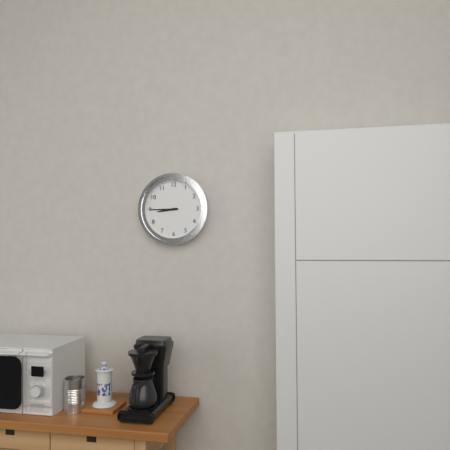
{"hour": 8, "minute": 45}
